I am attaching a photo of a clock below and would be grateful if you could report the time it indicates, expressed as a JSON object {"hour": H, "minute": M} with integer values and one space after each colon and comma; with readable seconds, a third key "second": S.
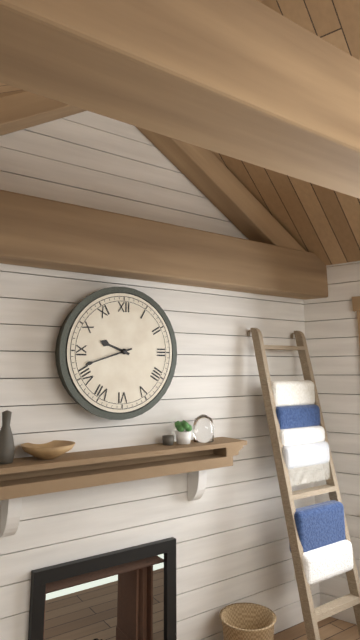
{"hour": 9, "minute": 42}
